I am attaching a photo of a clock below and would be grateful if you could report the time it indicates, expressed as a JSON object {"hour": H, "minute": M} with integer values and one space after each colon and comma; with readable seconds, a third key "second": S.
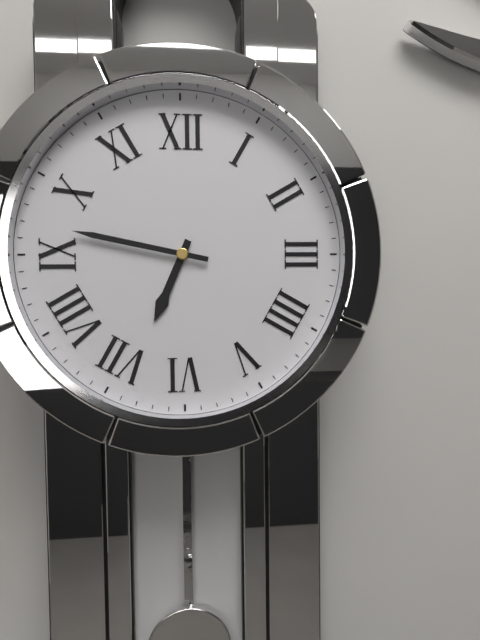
{"hour": 6, "minute": 47}
